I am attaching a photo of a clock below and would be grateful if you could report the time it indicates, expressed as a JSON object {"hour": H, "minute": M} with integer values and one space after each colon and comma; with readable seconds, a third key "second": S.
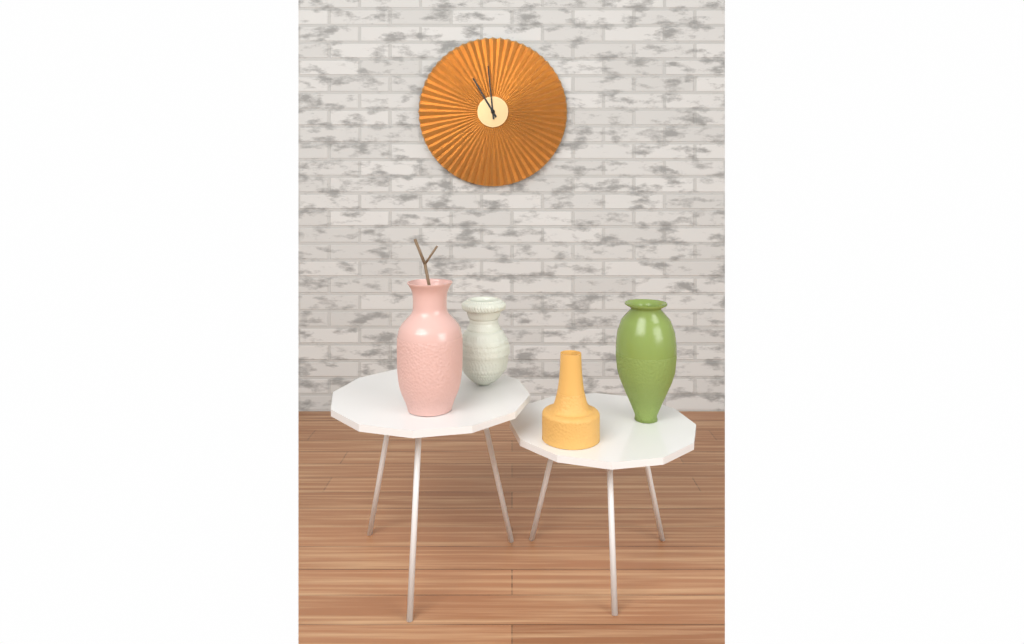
{"hour": 10, "minute": 59}
